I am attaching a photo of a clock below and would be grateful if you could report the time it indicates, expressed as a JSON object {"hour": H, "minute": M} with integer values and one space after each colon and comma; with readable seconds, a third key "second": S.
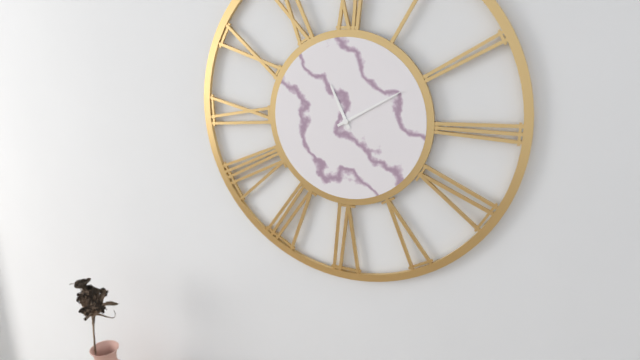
{"hour": 11, "minute": 10}
